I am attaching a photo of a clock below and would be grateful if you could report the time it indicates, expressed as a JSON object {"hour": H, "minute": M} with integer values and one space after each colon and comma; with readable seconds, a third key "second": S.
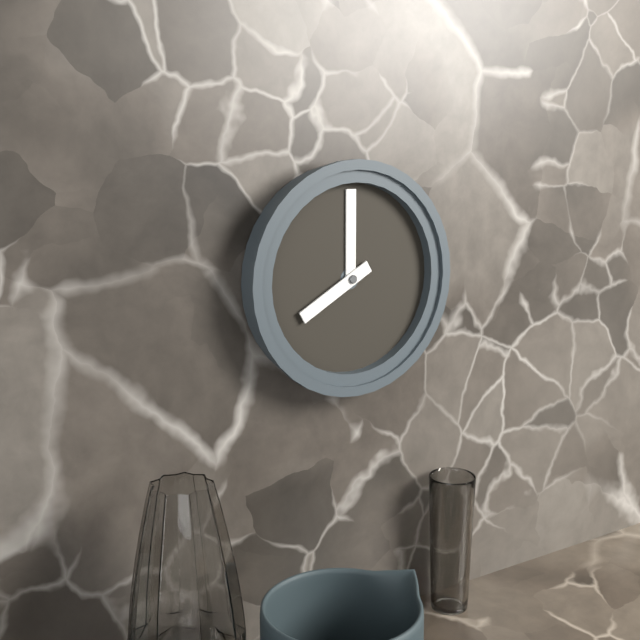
{"hour": 8, "minute": 0}
